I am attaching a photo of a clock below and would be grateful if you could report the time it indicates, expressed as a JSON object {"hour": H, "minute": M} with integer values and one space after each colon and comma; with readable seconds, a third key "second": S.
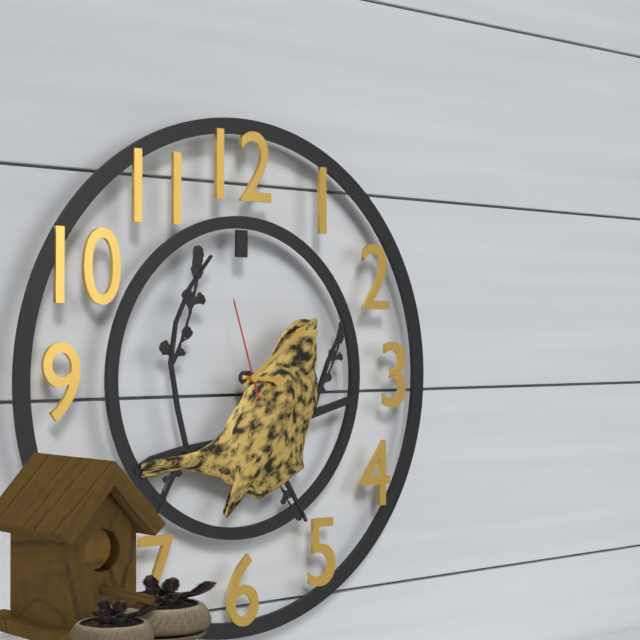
{"hour": 3, "minute": 9, "second": 57}
